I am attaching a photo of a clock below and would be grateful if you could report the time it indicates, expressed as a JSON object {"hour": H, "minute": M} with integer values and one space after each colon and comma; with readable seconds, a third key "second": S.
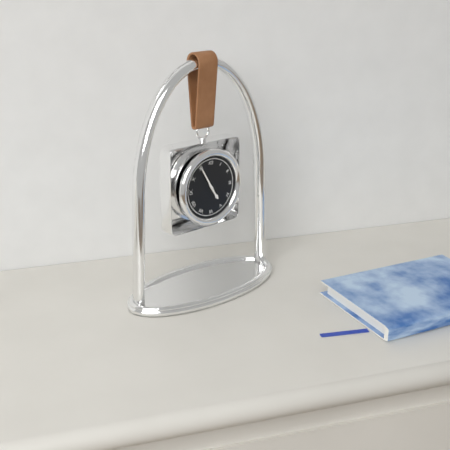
{"hour": 4, "minute": 55}
